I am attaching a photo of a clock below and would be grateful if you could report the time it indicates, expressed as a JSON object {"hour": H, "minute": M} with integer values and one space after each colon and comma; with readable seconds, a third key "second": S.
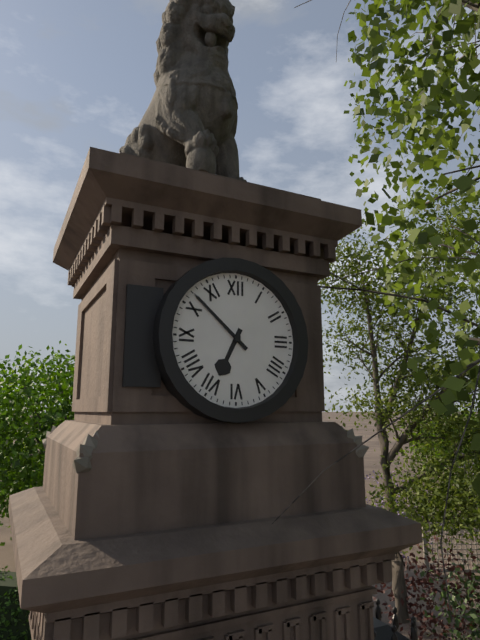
{"hour": 6, "minute": 52}
